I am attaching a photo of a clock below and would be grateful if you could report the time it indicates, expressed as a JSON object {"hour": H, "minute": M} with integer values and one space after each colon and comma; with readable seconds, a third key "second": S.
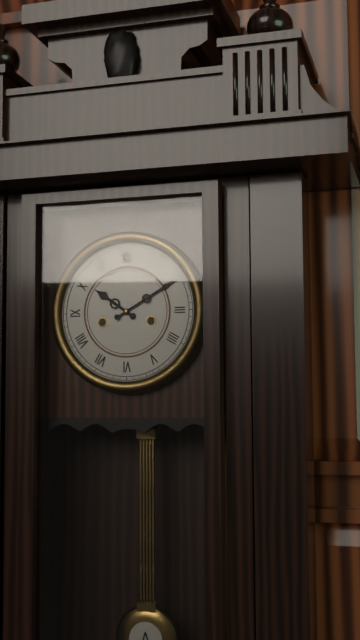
{"hour": 10, "minute": 10}
